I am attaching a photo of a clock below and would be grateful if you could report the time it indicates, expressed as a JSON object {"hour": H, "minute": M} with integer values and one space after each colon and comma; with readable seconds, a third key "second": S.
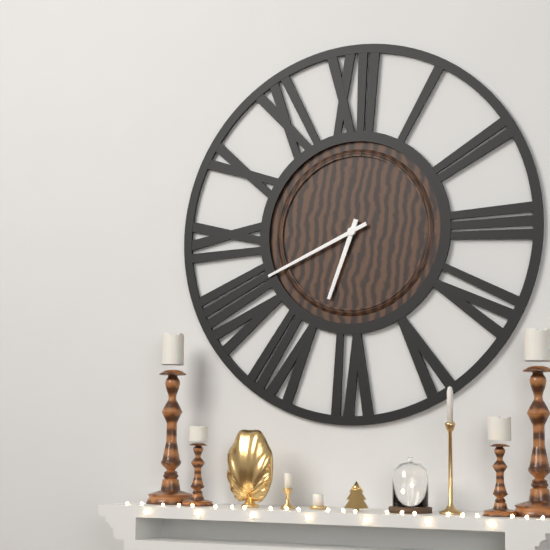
{"hour": 6, "minute": 41}
